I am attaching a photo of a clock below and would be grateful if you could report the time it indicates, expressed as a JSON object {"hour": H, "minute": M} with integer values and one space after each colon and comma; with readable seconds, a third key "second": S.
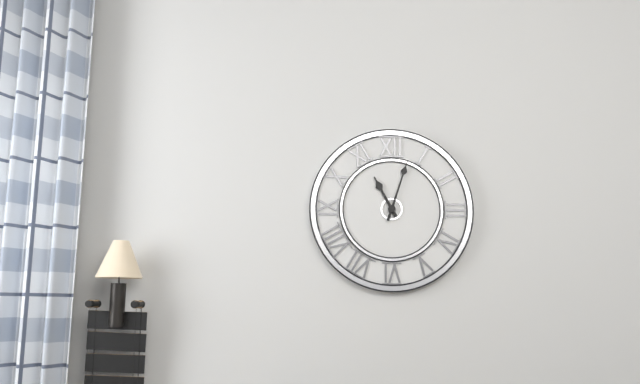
{"hour": 11, "minute": 3}
